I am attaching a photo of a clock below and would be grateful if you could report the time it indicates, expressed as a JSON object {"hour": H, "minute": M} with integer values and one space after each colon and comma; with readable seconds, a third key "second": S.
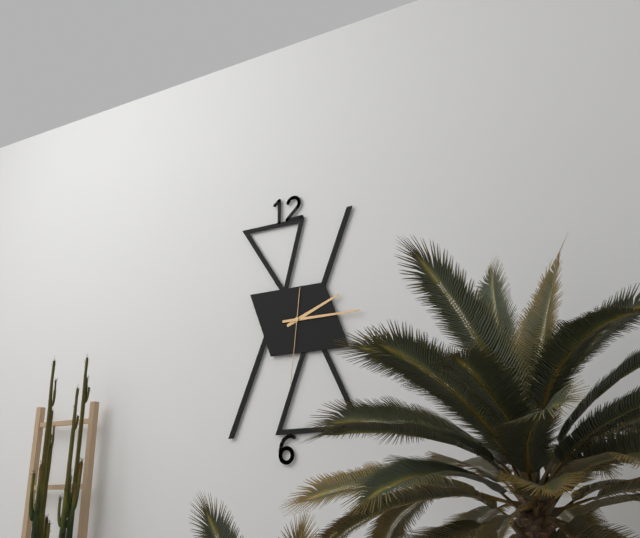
{"hour": 2, "minute": 15, "second": 31}
